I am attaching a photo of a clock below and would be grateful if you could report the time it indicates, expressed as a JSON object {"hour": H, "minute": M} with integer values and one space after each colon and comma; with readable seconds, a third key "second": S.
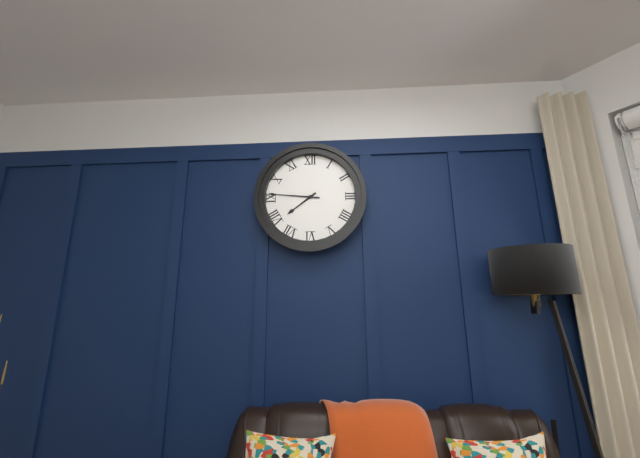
{"hour": 7, "minute": 46}
